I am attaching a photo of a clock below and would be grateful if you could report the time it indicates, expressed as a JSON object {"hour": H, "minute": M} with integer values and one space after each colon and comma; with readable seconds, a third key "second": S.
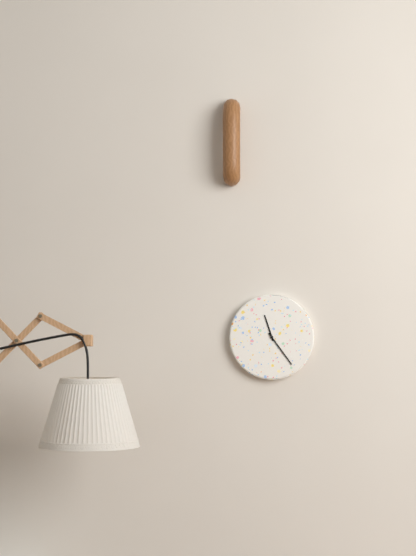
{"hour": 11, "minute": 24}
